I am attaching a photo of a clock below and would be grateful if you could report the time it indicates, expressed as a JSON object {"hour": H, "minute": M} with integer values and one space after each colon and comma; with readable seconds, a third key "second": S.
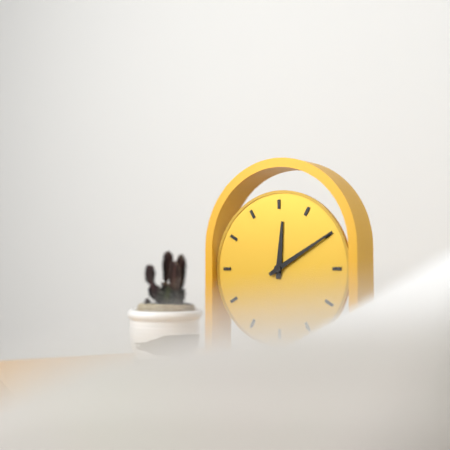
{"hour": 12, "minute": 10}
